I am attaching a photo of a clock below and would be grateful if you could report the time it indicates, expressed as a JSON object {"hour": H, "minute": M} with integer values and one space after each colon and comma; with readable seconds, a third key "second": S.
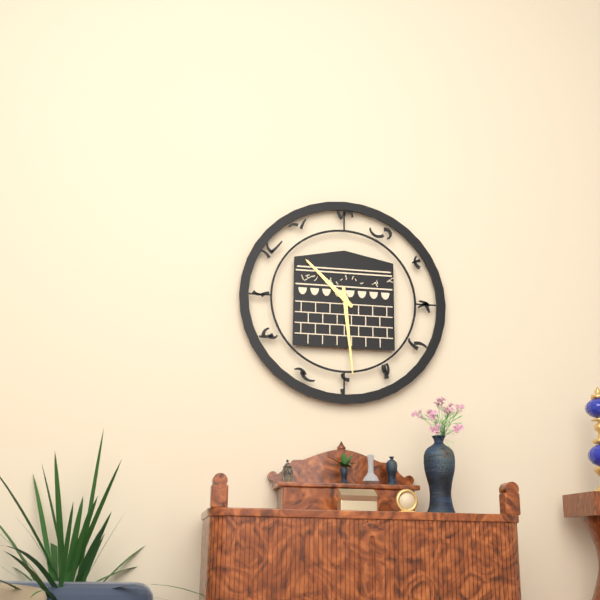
{"hour": 10, "minute": 29}
